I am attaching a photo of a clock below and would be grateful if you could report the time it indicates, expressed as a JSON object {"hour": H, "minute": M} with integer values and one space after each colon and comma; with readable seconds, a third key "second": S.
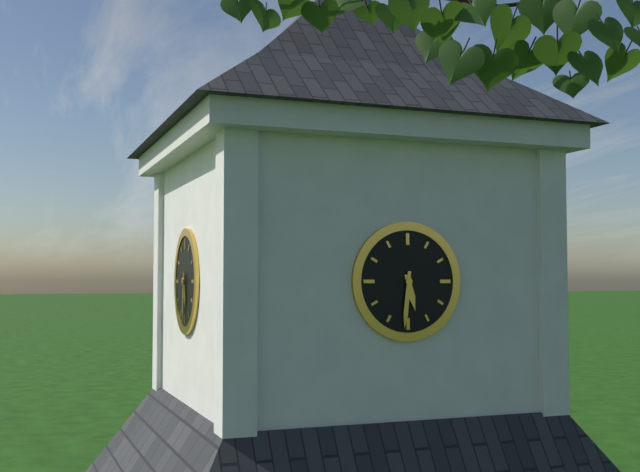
{"hour": 5, "minute": 31}
